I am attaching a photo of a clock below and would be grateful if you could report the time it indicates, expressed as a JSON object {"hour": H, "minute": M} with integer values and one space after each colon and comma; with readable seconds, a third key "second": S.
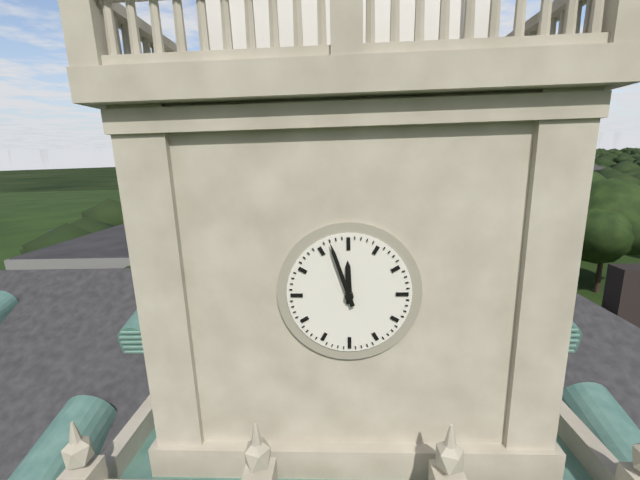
{"hour": 11, "minute": 57}
